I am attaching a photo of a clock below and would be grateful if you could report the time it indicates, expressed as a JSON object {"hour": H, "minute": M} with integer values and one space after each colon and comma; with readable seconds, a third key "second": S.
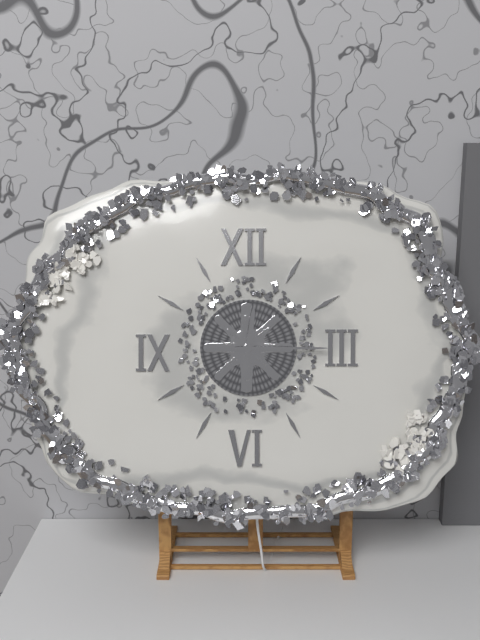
{"hour": 12, "minute": 15}
